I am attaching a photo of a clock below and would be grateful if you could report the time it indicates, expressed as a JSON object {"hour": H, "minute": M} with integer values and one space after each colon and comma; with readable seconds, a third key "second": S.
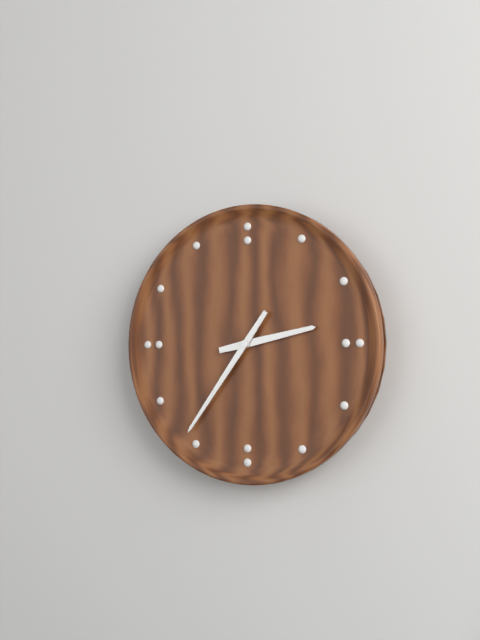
{"hour": 2, "minute": 36}
